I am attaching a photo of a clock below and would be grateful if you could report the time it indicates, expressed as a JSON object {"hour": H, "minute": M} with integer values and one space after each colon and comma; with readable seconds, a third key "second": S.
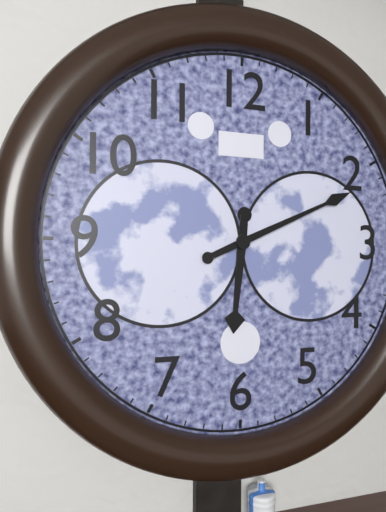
{"hour": 6, "minute": 11}
